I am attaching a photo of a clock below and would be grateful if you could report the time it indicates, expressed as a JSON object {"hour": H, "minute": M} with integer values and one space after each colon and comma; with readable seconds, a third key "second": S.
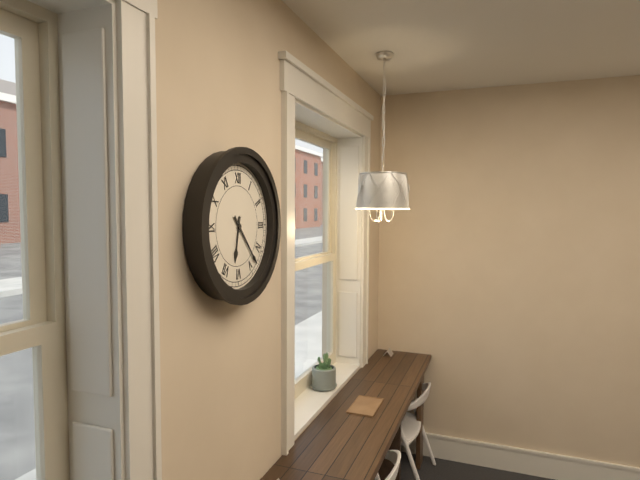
{"hour": 6, "minute": 23}
